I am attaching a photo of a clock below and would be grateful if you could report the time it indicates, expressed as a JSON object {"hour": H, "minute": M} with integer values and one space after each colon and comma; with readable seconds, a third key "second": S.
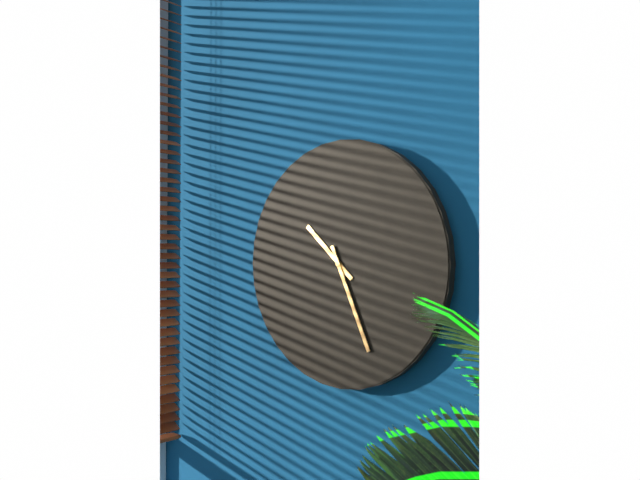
{"hour": 10, "minute": 26}
